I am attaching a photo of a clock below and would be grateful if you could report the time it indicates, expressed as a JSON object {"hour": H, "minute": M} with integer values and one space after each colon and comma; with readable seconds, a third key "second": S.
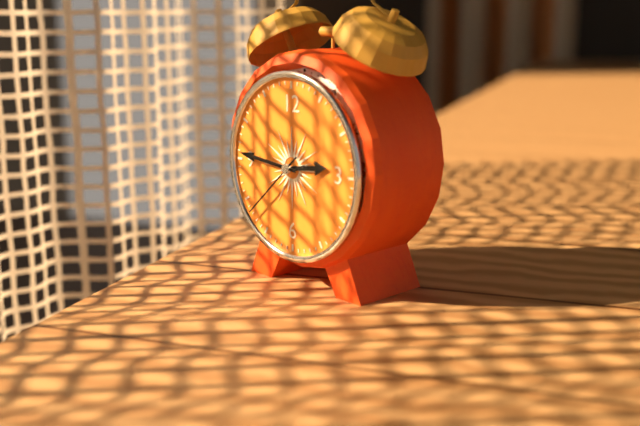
{"hour": 2, "minute": 46, "second": 38}
